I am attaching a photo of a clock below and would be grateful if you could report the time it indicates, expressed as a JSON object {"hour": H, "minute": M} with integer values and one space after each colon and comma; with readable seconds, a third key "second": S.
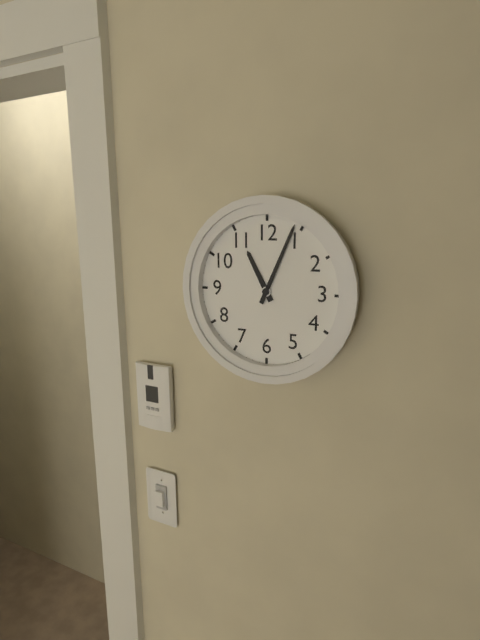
{"hour": 11, "minute": 4}
